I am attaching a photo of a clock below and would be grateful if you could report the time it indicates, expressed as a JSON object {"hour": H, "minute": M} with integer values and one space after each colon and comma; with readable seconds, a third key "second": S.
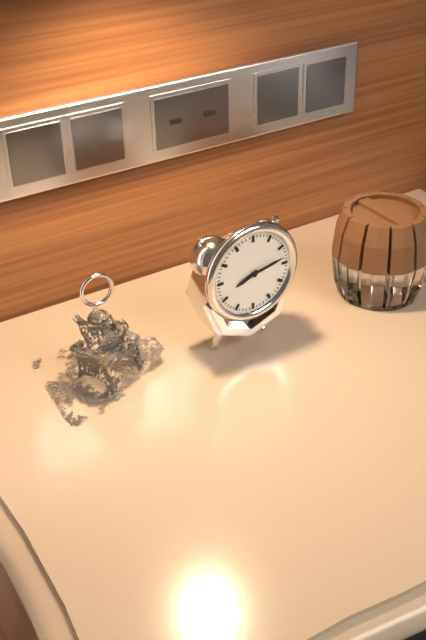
{"hour": 8, "minute": 13}
